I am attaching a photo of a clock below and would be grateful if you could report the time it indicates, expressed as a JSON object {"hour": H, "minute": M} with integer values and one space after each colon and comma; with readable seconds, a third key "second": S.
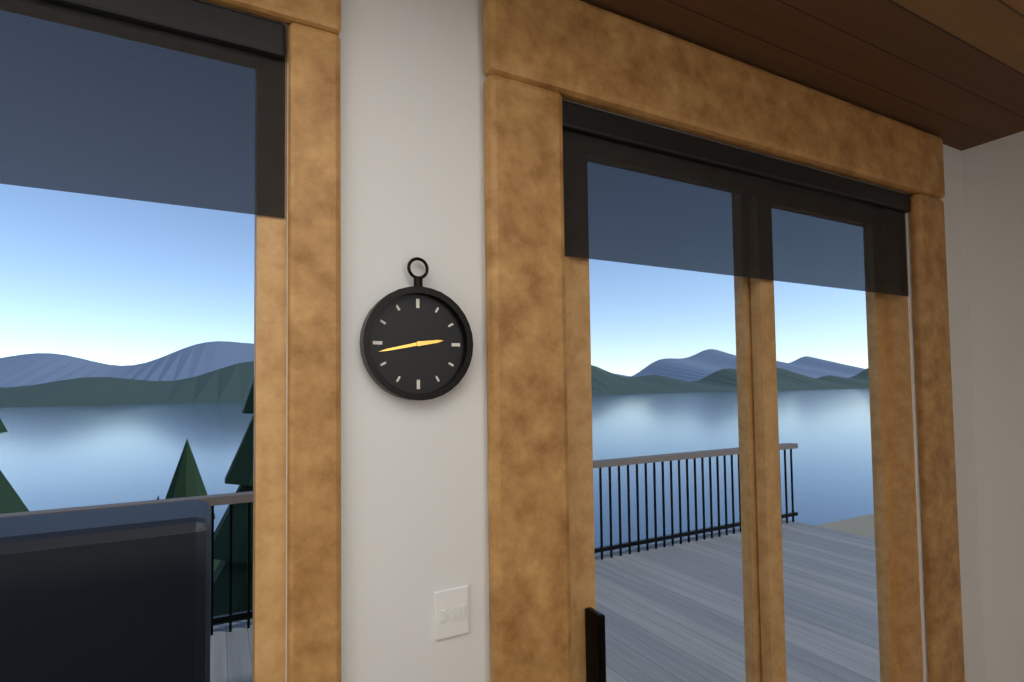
{"hour": 2, "minute": 43}
